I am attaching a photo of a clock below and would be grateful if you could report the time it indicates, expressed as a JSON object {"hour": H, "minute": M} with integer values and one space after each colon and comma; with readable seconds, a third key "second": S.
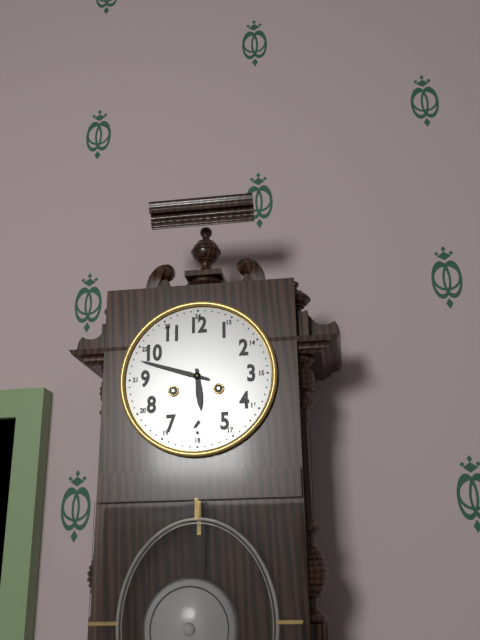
{"hour": 5, "minute": 48}
